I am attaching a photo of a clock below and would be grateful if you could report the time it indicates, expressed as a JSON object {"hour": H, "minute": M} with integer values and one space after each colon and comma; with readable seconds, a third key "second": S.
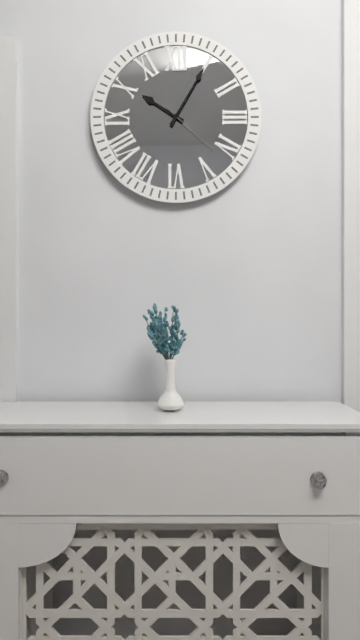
{"hour": 10, "minute": 5, "second": 22}
